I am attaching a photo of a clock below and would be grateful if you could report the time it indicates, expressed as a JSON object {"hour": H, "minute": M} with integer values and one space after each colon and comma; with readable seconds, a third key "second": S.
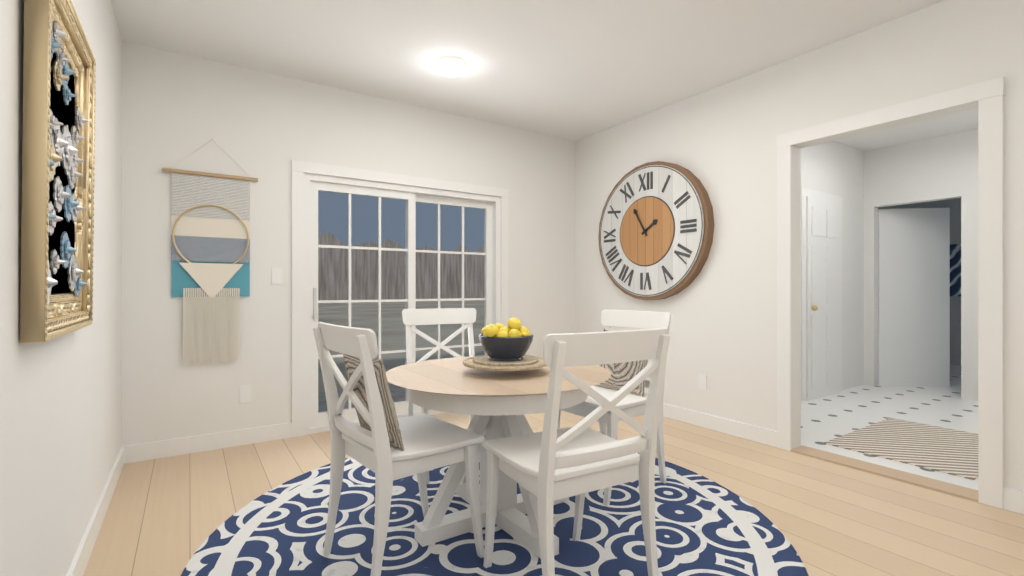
{"hour": 1, "minute": 55}
